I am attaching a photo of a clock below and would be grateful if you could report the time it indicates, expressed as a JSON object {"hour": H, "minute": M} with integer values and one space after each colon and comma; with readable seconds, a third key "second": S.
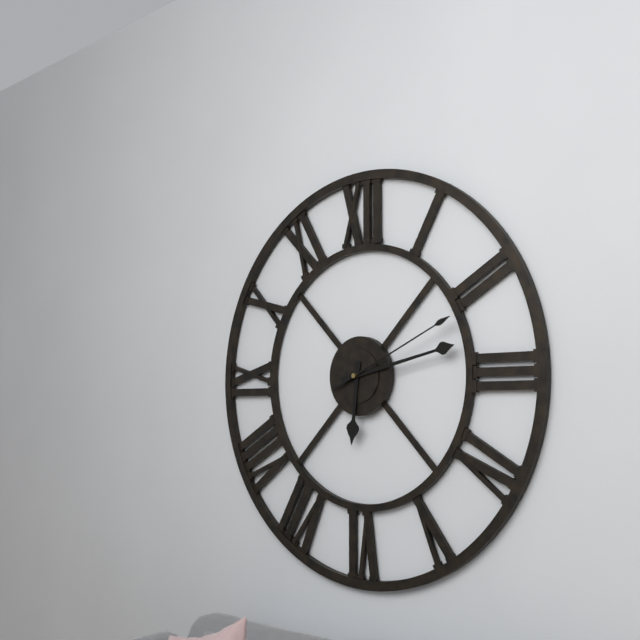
{"hour": 6, "minute": 13, "second": 11}
